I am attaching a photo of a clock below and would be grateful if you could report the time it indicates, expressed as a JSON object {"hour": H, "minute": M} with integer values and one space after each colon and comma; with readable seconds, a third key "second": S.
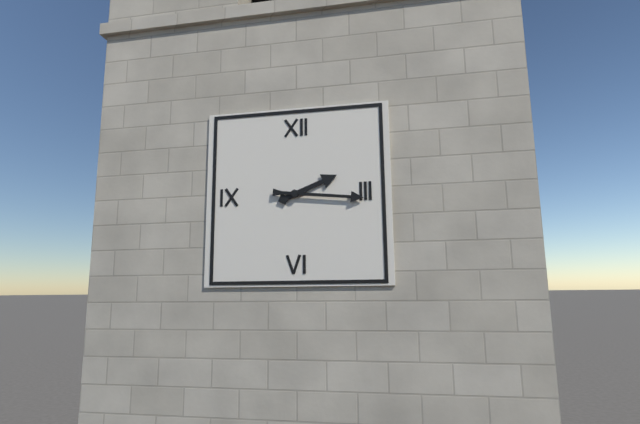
{"hour": 2, "minute": 16}
